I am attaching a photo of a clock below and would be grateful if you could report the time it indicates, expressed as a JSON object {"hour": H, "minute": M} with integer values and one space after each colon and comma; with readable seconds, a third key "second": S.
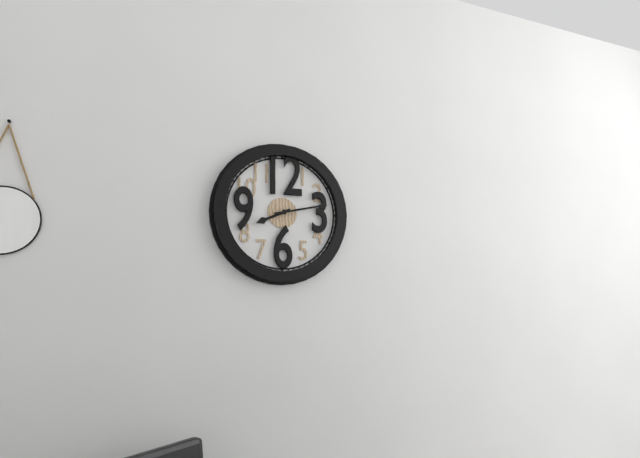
{"hour": 8, "minute": 13}
